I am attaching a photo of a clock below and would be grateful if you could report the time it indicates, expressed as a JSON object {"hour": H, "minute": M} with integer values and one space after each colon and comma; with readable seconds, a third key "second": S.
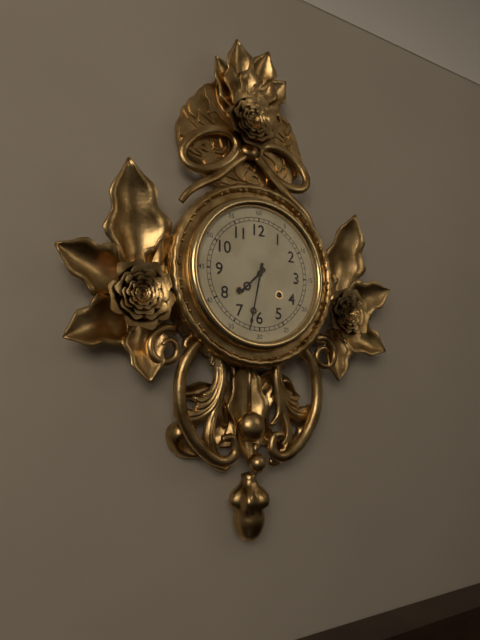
{"hour": 7, "minute": 32}
